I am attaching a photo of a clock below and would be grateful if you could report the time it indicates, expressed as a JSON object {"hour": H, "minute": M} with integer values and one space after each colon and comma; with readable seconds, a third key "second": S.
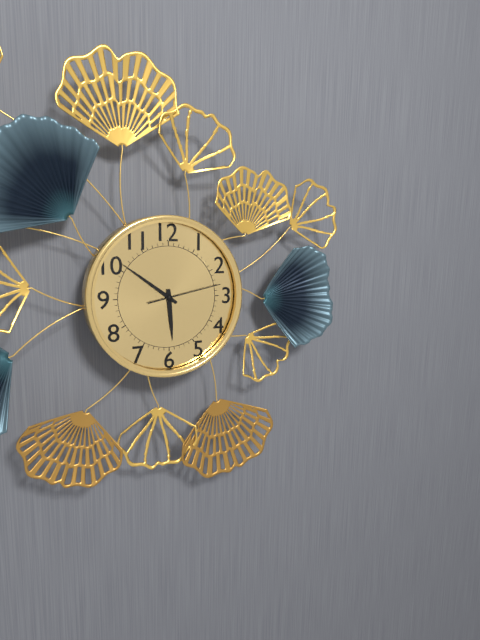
{"hour": 5, "minute": 51, "second": 13}
